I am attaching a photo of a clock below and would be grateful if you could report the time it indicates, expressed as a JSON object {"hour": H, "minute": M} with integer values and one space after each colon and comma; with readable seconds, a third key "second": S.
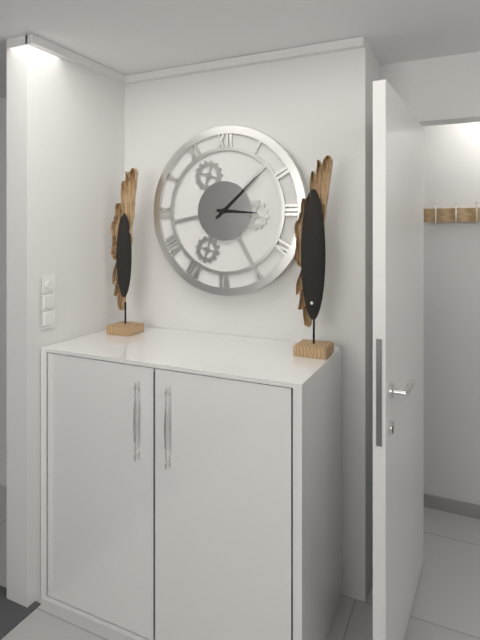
{"hour": 3, "minute": 8}
